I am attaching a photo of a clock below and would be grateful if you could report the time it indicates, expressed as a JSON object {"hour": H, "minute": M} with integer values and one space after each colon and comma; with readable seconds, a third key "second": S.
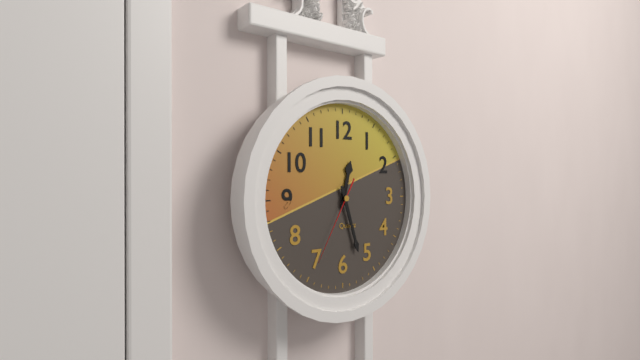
{"hour": 12, "minute": 27, "second": 35}
